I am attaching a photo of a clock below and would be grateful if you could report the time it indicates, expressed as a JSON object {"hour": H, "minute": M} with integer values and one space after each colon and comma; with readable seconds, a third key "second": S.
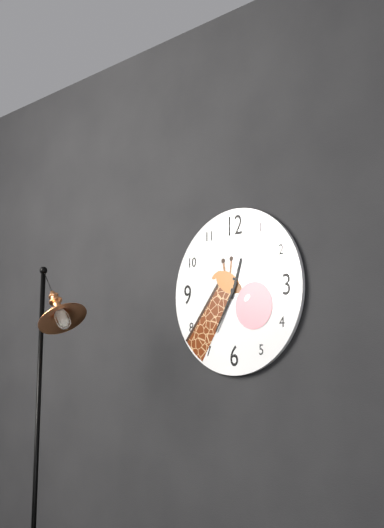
{"hour": 12, "minute": 35}
